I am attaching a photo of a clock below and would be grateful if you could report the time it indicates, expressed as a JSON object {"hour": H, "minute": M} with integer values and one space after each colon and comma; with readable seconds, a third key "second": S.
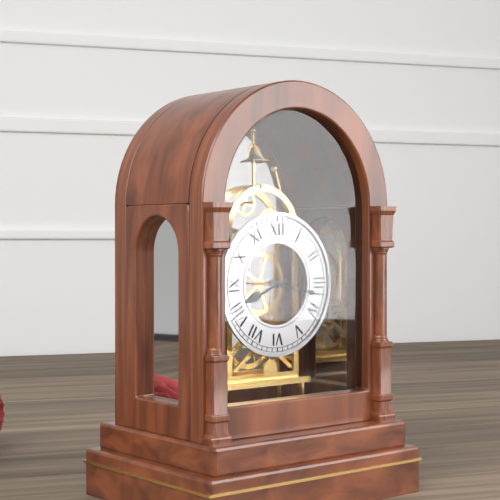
{"hour": 8, "minute": 17}
